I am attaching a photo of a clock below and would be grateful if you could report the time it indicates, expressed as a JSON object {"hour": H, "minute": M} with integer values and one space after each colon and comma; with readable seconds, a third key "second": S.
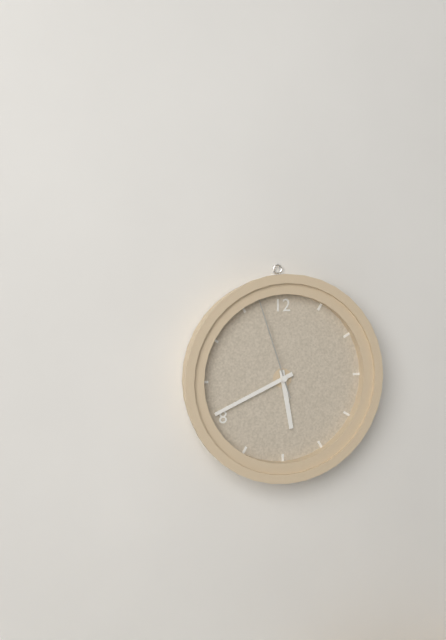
{"hour": 5, "minute": 41, "second": 57}
